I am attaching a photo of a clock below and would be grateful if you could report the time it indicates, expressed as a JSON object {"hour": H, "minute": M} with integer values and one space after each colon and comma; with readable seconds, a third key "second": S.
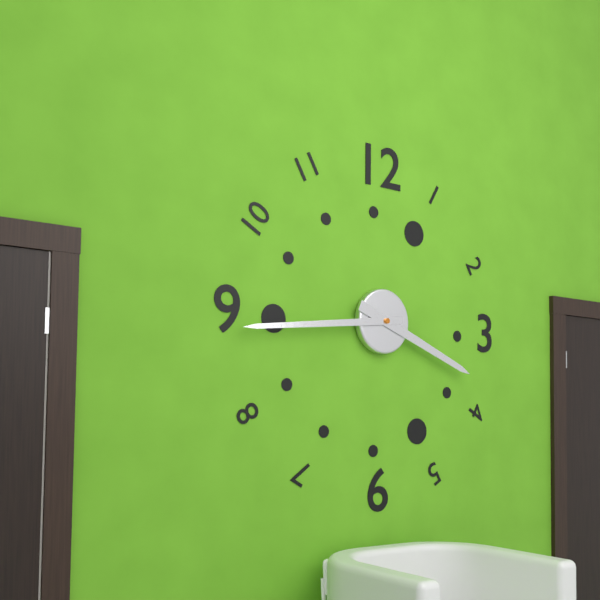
{"hour": 3, "minute": 44}
